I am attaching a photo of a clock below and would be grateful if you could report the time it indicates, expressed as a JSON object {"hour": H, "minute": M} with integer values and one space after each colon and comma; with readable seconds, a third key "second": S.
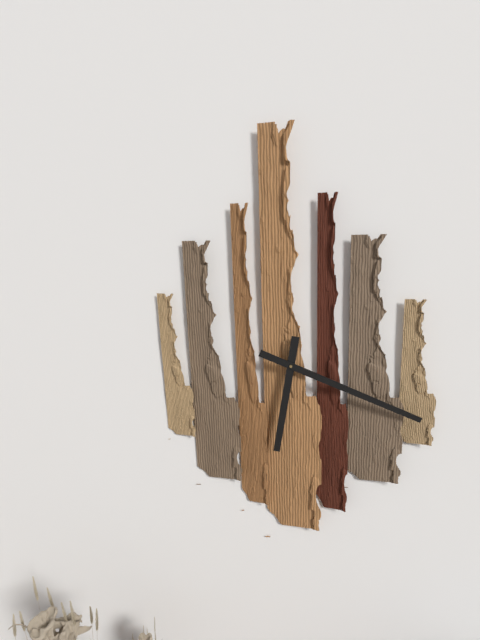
{"hour": 6, "minute": 19}
